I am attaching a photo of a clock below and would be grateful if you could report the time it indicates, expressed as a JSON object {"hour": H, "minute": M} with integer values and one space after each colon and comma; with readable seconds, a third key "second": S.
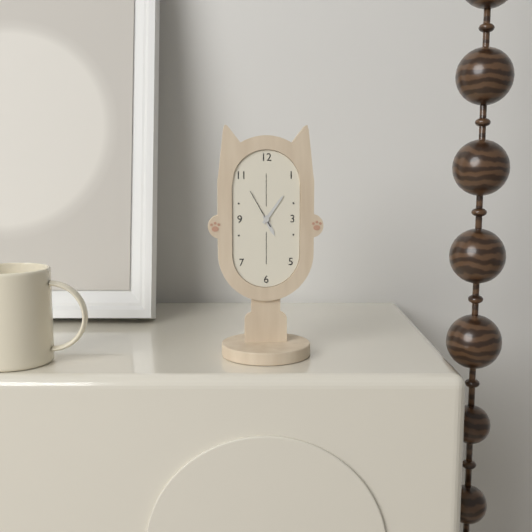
{"hour": 5, "minute": 6}
